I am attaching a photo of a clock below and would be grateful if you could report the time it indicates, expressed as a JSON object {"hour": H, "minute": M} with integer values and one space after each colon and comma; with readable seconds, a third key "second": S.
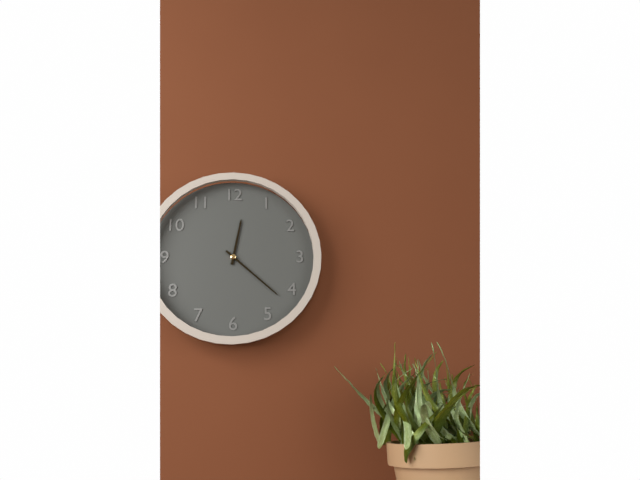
{"hour": 12, "minute": 22}
